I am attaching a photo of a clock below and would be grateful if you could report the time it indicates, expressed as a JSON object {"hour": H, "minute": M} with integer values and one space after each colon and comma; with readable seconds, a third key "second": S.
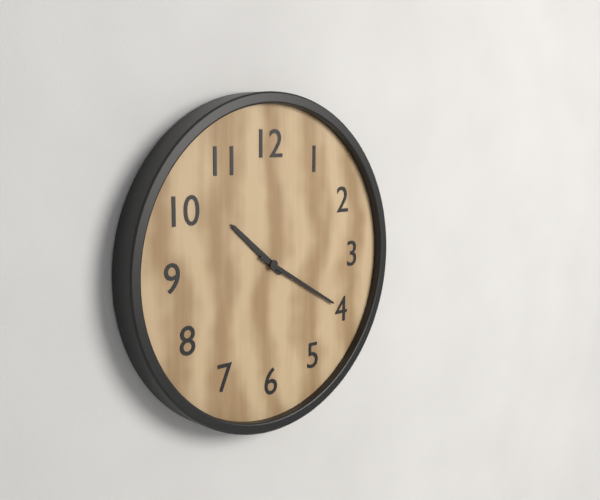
{"hour": 10, "minute": 20}
